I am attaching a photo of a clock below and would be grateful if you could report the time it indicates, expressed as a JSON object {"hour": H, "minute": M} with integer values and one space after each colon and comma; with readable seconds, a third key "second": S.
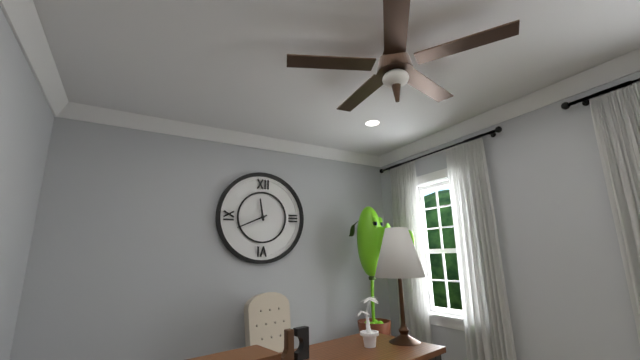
{"hour": 11, "minute": 41}
